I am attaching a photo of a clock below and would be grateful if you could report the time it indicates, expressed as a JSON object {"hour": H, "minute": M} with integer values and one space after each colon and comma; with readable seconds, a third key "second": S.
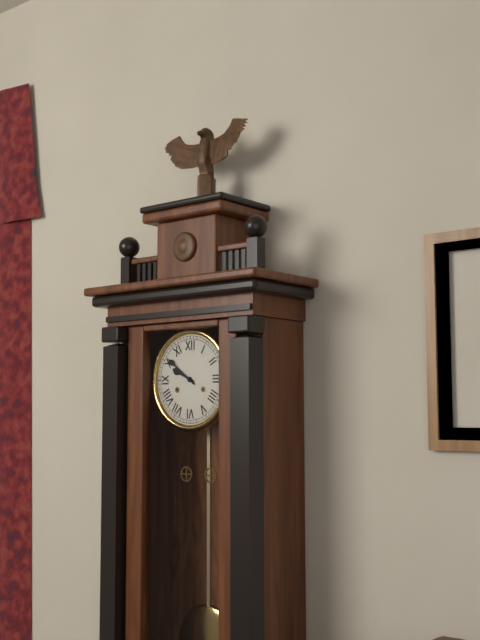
{"hour": 9, "minute": 51}
